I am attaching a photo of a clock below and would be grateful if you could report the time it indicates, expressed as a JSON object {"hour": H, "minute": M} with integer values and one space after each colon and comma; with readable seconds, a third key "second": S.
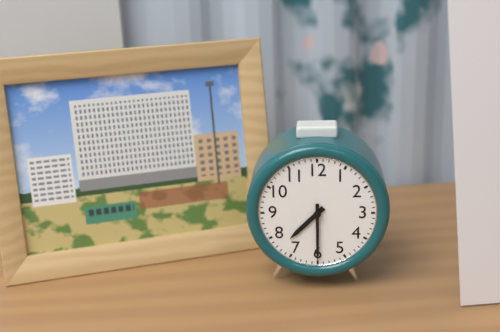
{"hour": 7, "minute": 30}
